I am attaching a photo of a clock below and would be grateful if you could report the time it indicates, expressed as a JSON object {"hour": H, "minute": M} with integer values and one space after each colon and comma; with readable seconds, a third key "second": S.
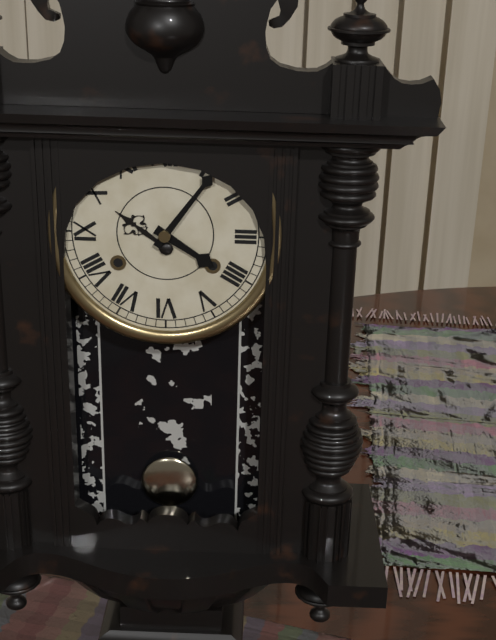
{"hour": 4, "minute": 6}
